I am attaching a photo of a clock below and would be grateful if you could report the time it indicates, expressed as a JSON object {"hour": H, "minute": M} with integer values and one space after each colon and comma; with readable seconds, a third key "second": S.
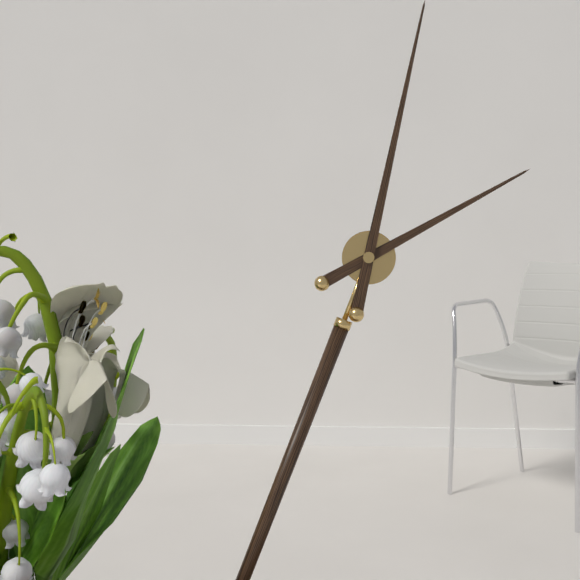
{"hour": 2, "minute": 2}
